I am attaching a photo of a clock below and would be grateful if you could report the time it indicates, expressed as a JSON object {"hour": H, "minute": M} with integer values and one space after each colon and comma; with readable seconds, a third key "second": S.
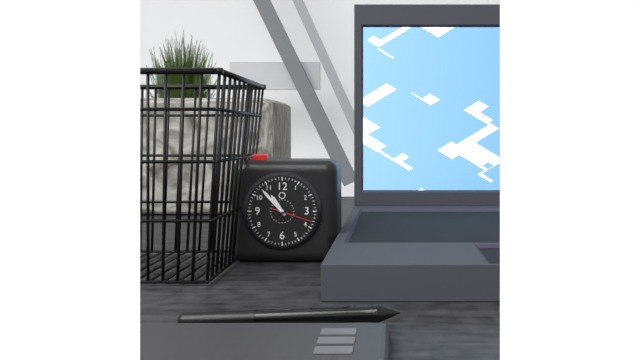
{"hour": 10, "minute": 53}
